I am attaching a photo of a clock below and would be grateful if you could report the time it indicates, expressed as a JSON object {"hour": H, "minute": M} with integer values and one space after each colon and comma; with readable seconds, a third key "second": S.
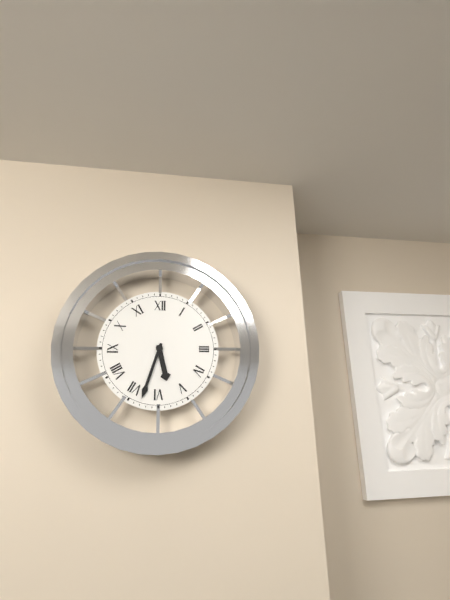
{"hour": 5, "minute": 33}
